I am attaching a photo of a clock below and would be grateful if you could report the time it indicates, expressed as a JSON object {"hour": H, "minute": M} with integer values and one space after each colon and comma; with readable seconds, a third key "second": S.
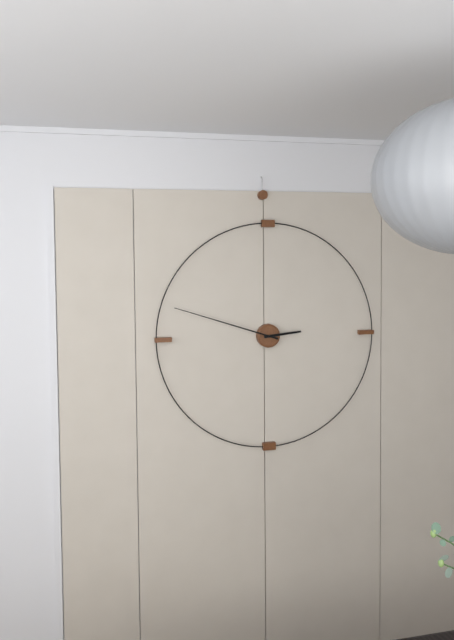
{"hour": 2, "minute": 48}
